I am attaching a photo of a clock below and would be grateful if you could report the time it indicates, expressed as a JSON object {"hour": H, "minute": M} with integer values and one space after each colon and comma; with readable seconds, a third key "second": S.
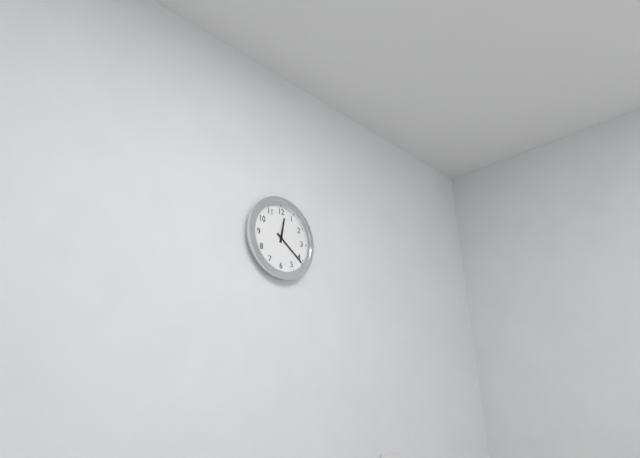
{"hour": 12, "minute": 21}
